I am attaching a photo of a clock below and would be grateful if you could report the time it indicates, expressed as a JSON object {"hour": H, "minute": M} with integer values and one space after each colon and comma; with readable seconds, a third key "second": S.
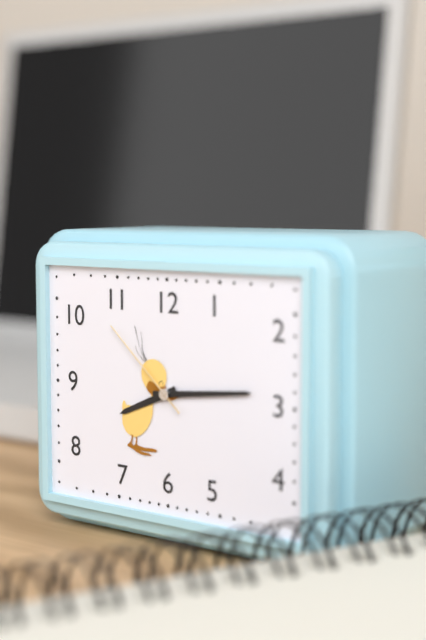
{"hour": 8, "minute": 14, "second": 52}
